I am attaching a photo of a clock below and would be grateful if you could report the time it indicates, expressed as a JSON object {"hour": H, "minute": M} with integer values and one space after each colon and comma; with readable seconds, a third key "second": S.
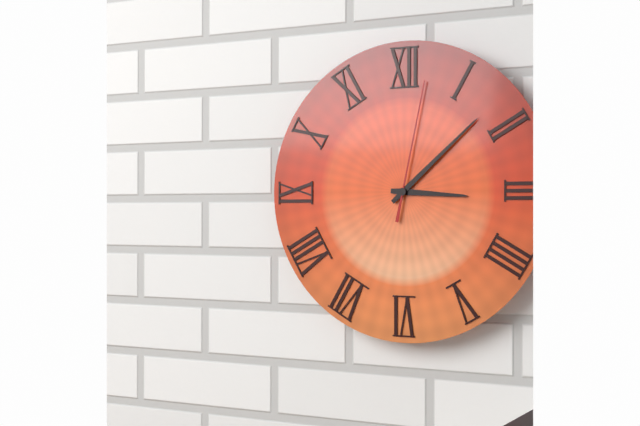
{"hour": 3, "minute": 8, "second": 2}
